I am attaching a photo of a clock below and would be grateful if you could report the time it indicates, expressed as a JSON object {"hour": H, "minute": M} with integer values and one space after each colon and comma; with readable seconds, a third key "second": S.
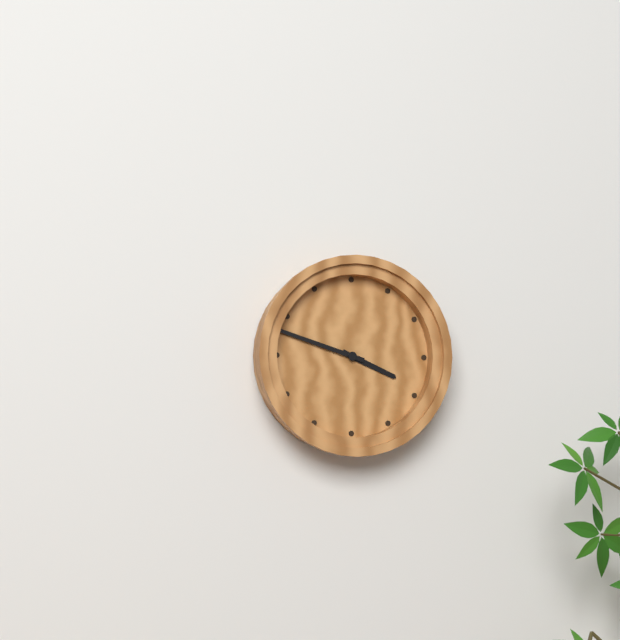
{"hour": 3, "minute": 48}
